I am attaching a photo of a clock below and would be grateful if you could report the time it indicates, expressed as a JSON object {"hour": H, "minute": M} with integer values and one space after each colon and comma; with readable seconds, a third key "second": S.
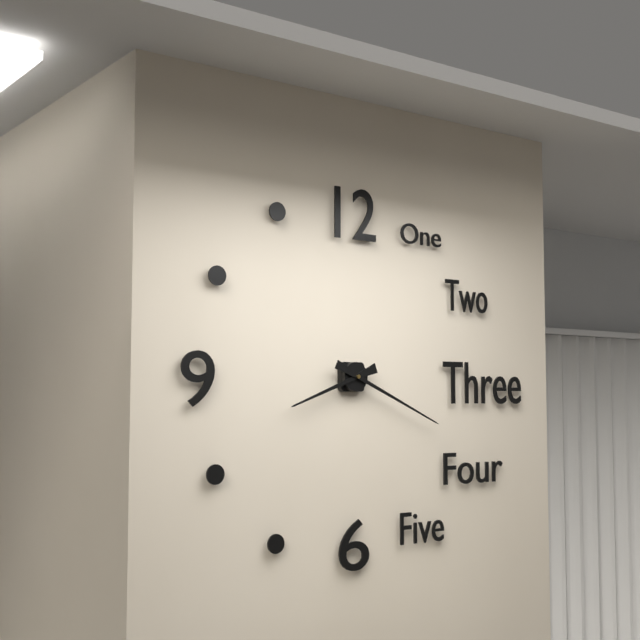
{"hour": 8, "minute": 19}
